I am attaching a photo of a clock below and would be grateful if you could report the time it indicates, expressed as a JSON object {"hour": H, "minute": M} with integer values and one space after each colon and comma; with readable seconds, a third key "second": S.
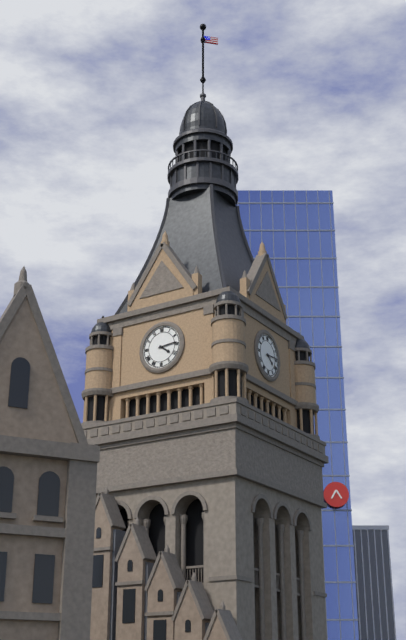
{"hour": 4, "minute": 14}
